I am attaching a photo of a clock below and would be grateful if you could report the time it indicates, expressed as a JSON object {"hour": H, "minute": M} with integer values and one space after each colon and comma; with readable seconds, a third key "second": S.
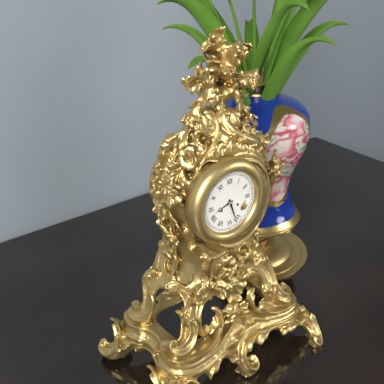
{"hour": 8, "minute": 27}
